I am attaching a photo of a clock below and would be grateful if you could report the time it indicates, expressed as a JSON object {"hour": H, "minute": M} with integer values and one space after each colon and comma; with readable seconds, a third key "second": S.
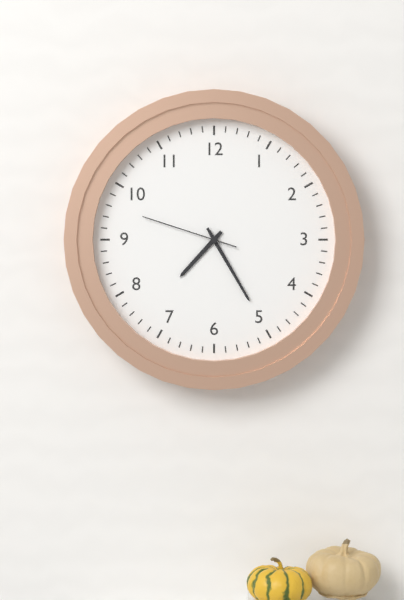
{"hour": 7, "minute": 25, "second": 48}
